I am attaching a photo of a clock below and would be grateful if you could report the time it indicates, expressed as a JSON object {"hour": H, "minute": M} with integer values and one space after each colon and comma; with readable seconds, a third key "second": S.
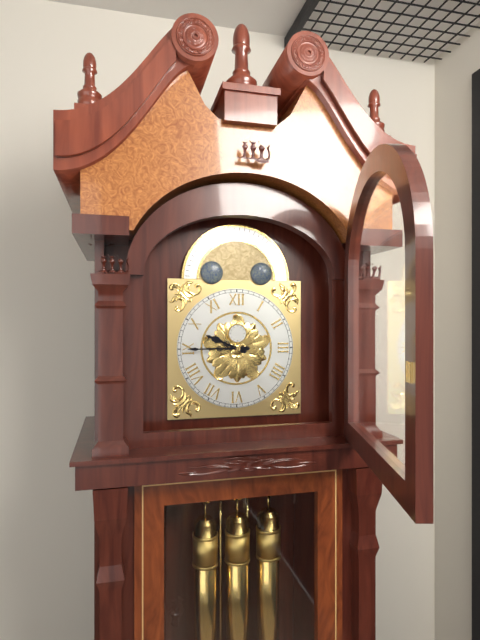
{"hour": 9, "minute": 45}
